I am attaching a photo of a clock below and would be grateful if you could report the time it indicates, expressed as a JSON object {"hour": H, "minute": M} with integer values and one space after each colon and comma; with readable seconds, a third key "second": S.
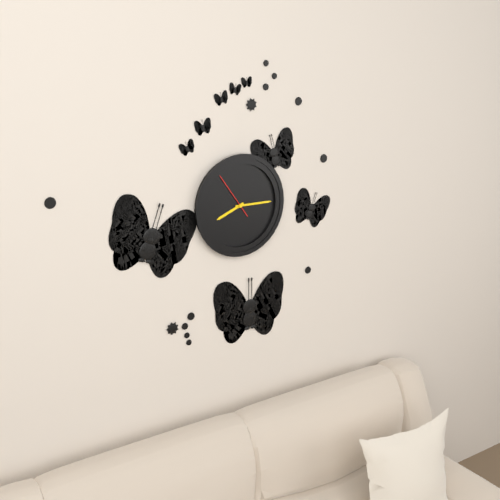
{"hour": 8, "minute": 15}
